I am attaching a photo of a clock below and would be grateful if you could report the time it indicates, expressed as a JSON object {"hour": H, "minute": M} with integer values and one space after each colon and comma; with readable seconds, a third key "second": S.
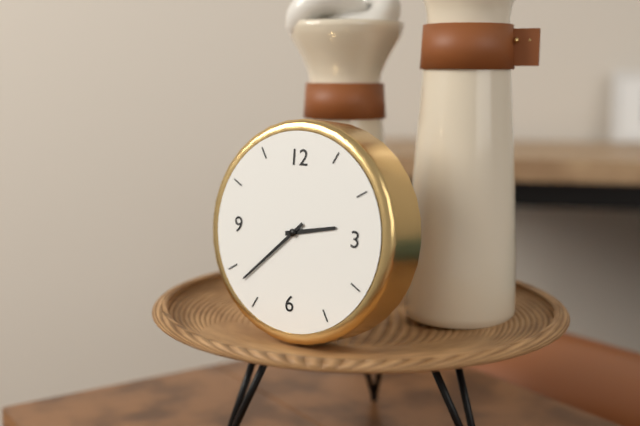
{"hour": 2, "minute": 38}
